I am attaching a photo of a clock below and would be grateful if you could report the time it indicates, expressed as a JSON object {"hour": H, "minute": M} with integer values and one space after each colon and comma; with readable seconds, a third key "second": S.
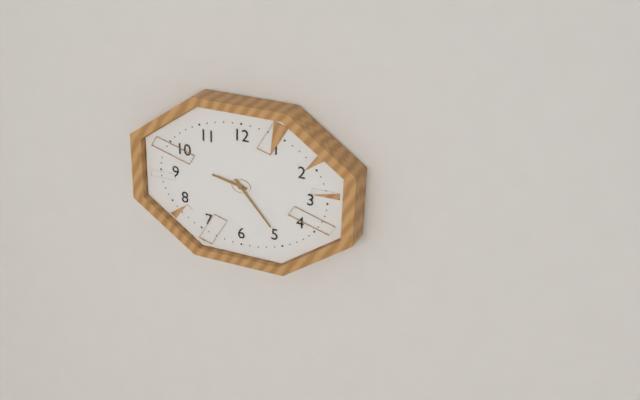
{"hour": 9, "minute": 23}
